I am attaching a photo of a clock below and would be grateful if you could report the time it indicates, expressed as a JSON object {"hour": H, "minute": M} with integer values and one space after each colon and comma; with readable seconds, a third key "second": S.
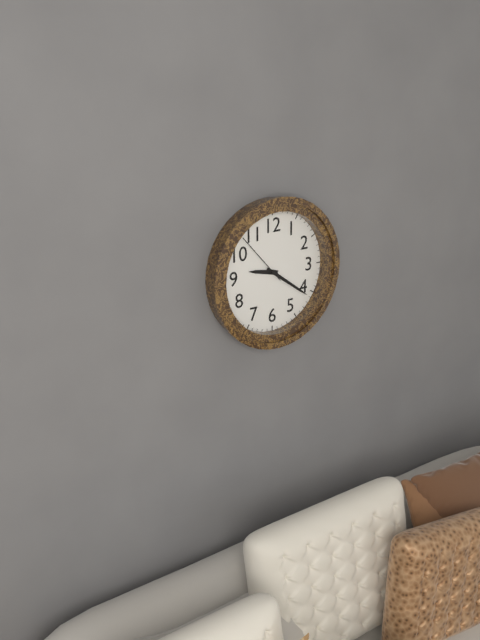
{"hour": 9, "minute": 21, "second": 53}
